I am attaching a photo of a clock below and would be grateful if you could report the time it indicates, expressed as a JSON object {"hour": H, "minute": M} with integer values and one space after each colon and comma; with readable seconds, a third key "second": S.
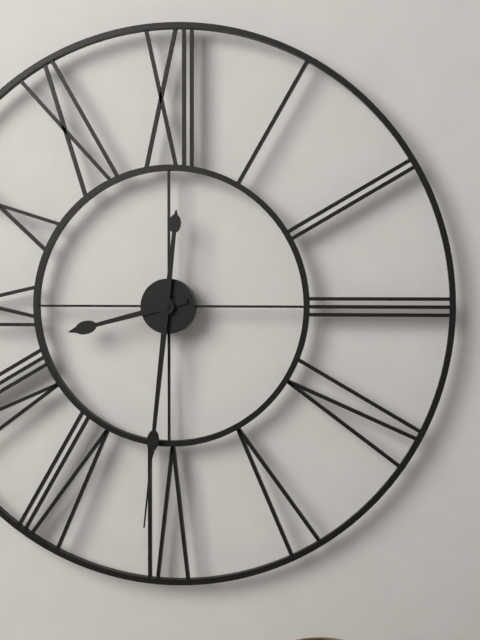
{"hour": 8, "minute": 31}
